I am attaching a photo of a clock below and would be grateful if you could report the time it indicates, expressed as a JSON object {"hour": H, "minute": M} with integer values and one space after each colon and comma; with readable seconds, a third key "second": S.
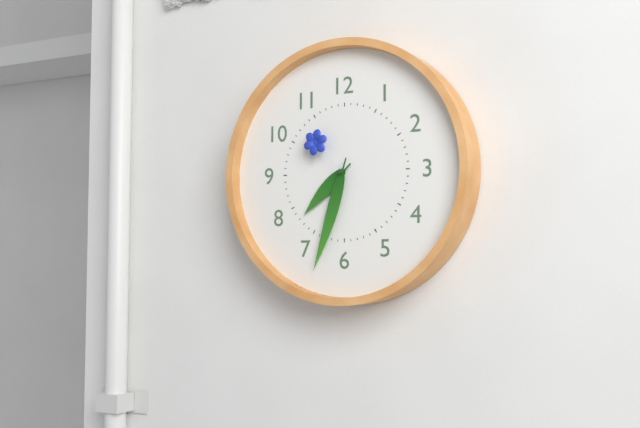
{"hour": 7, "minute": 33, "second": 53}
